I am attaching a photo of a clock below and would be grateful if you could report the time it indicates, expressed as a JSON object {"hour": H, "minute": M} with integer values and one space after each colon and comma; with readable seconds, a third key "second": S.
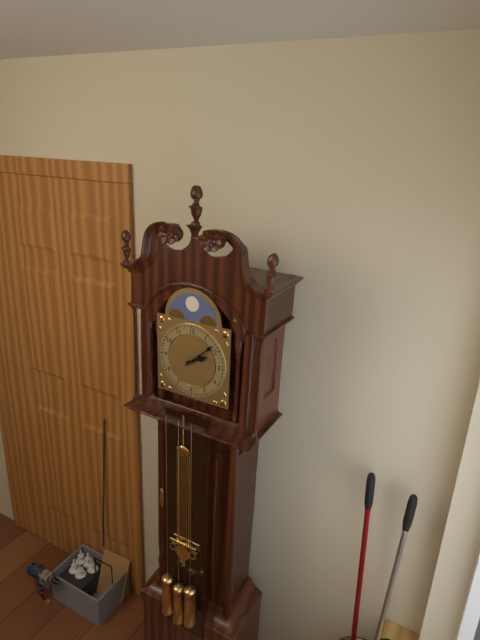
{"hour": 2, "minute": 8}
